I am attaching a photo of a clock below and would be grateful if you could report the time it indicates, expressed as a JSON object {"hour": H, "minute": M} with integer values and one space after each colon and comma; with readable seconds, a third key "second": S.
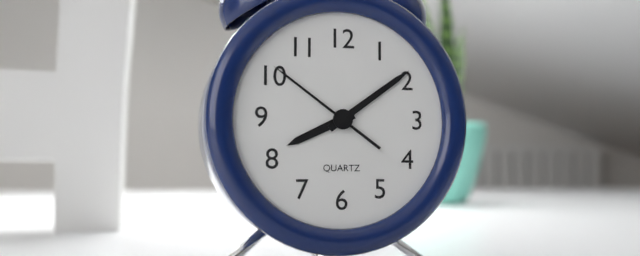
{"hour": 8, "minute": 9, "second": 51}
